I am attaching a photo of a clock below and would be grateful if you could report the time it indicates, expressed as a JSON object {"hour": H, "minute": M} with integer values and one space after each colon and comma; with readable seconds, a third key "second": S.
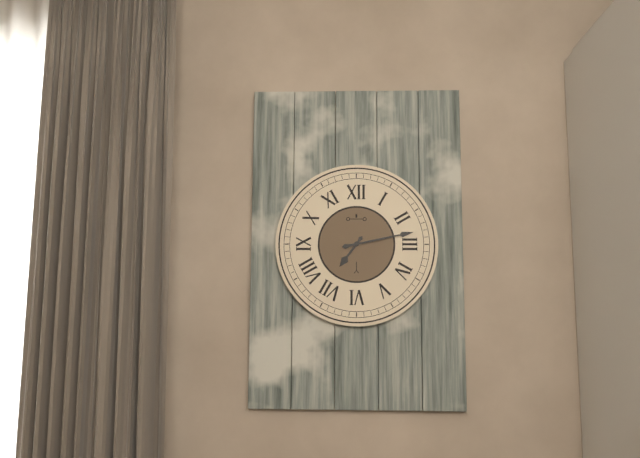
{"hour": 7, "minute": 13}
